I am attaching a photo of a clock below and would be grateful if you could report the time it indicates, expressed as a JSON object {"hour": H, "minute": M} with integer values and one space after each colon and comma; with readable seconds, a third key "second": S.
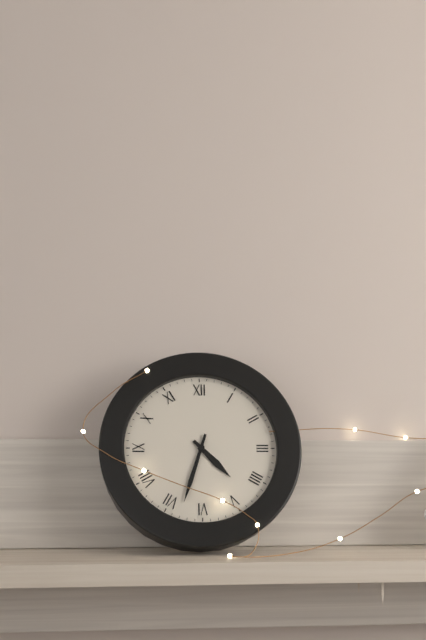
{"hour": 4, "minute": 33}
